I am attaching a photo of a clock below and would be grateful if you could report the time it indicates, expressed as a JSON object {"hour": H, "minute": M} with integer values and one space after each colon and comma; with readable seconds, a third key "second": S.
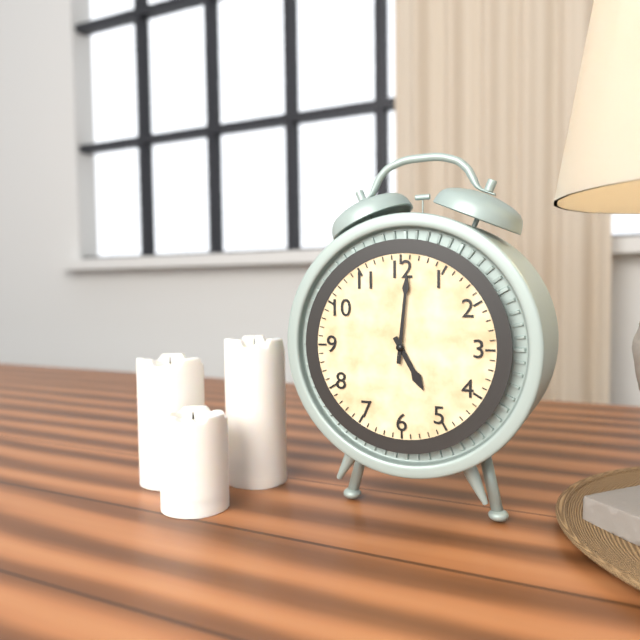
{"hour": 5, "minute": 1}
